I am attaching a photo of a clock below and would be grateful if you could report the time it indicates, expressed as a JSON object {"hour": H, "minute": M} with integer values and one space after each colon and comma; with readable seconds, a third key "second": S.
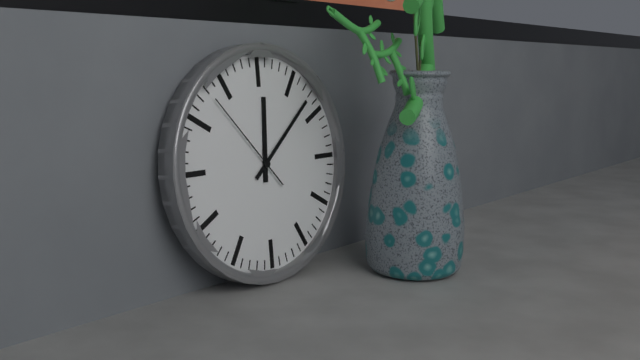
{"hour": 12, "minute": 8, "second": 53}
